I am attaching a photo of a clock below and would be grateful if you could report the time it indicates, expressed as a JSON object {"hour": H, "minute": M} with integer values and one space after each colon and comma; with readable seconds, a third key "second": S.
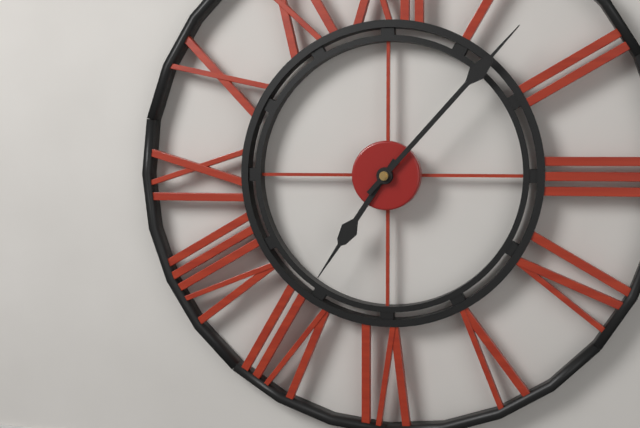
{"hour": 7, "minute": 7}
